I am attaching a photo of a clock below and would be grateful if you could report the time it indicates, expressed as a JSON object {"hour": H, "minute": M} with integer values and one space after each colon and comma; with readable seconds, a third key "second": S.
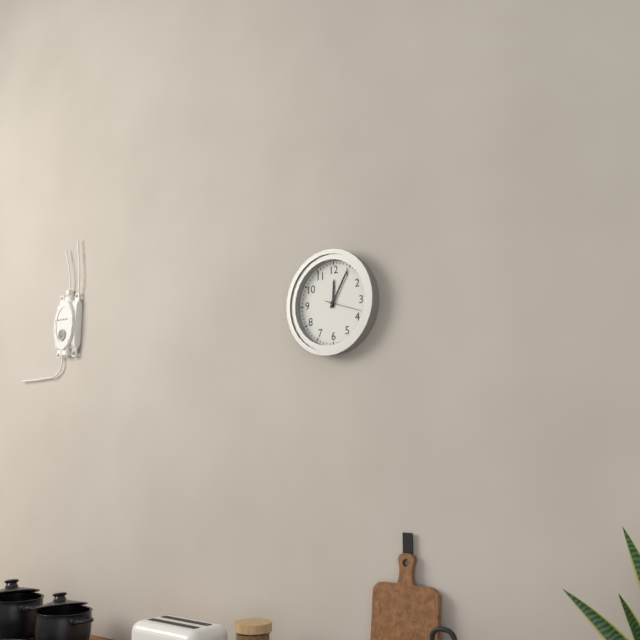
{"hour": 12, "minute": 5}
